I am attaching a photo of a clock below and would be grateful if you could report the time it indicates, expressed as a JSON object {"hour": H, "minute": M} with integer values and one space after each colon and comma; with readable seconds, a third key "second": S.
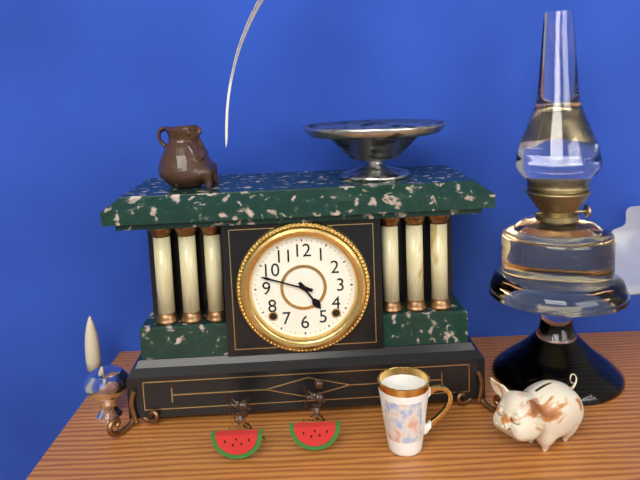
{"hour": 4, "minute": 48}
